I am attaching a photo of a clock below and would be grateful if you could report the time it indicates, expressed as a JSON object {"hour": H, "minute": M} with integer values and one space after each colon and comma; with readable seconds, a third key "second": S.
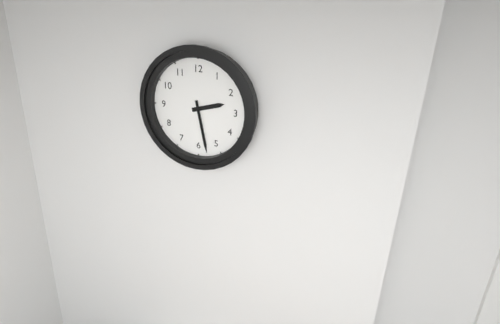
{"hour": 2, "minute": 28}
